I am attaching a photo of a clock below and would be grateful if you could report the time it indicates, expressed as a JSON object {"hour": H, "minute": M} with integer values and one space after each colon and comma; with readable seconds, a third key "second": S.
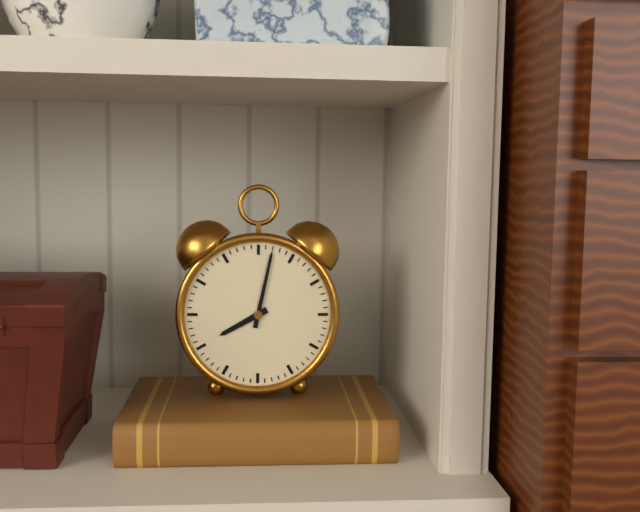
{"hour": 8, "minute": 2}
